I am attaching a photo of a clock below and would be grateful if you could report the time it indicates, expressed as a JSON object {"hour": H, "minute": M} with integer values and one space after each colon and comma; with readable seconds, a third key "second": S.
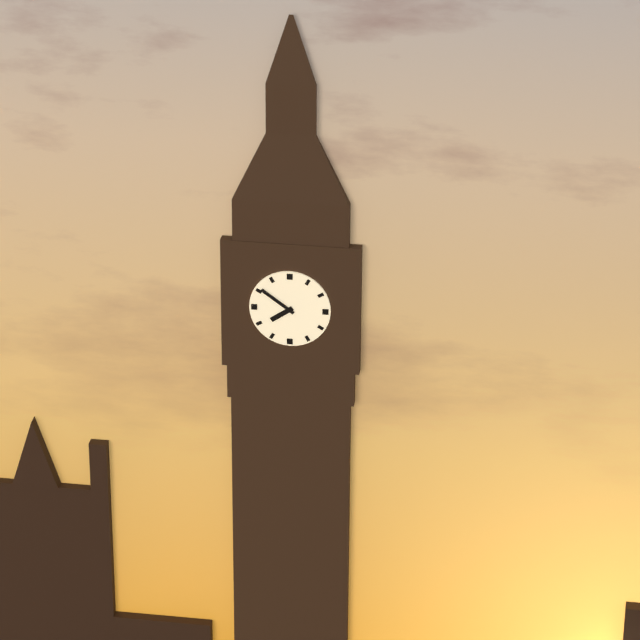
{"hour": 7, "minute": 51}
